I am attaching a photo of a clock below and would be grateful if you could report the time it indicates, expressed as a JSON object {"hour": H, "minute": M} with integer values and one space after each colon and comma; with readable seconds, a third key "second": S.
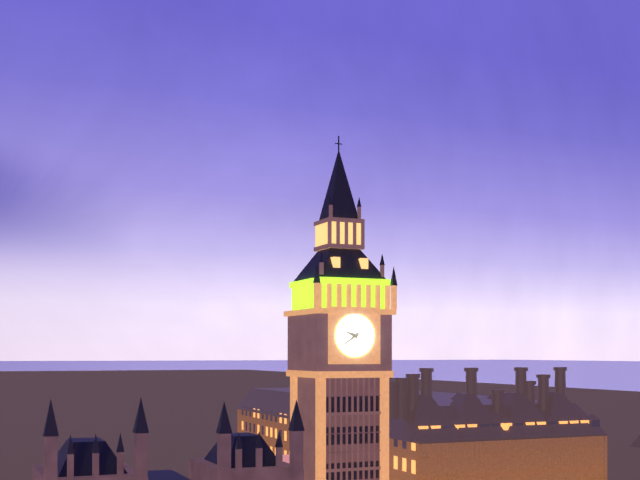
{"hour": 9, "minute": 39}
